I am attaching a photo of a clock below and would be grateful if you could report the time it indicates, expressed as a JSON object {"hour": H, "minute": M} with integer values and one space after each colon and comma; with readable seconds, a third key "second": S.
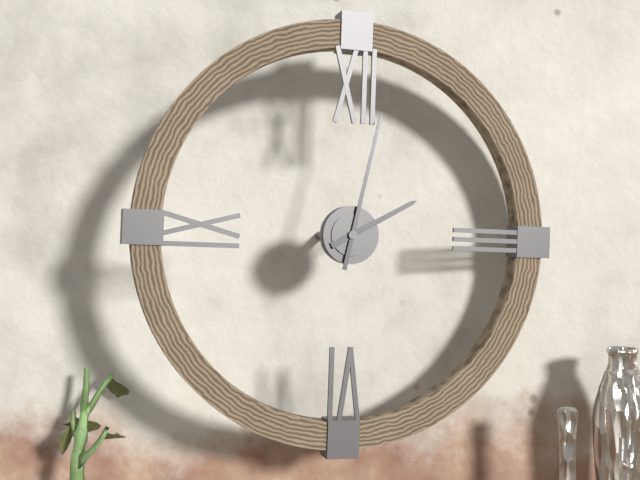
{"hour": 2, "minute": 2}
